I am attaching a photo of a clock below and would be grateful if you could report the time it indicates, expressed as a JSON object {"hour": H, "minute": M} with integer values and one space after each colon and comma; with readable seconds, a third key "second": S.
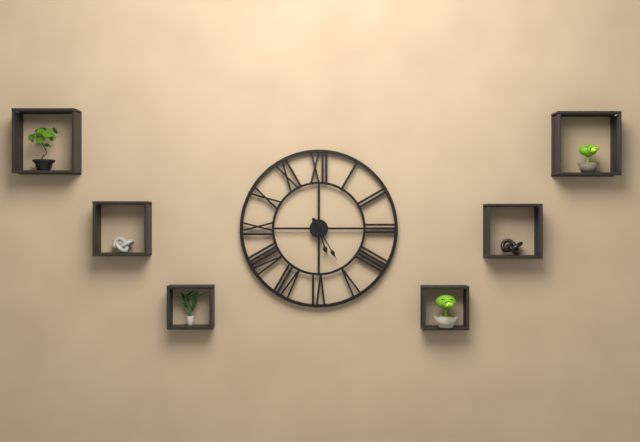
{"hour": 5, "minute": 25}
